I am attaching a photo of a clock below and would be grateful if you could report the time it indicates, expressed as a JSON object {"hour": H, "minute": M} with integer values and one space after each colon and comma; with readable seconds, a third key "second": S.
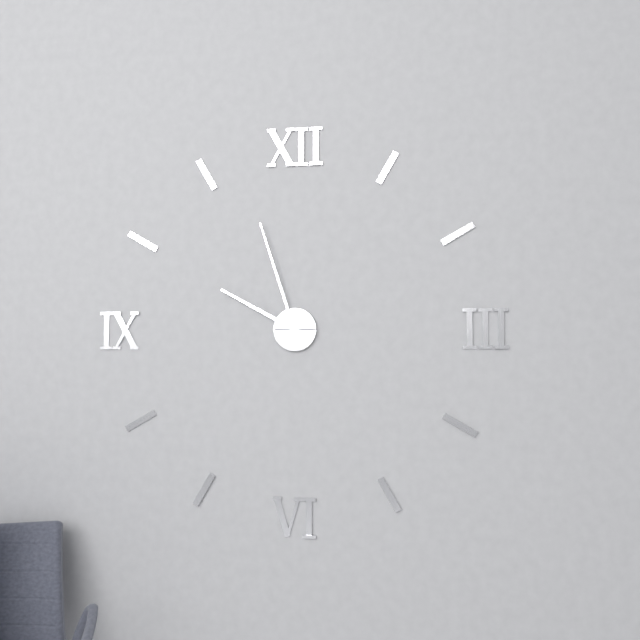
{"hour": 9, "minute": 57}
